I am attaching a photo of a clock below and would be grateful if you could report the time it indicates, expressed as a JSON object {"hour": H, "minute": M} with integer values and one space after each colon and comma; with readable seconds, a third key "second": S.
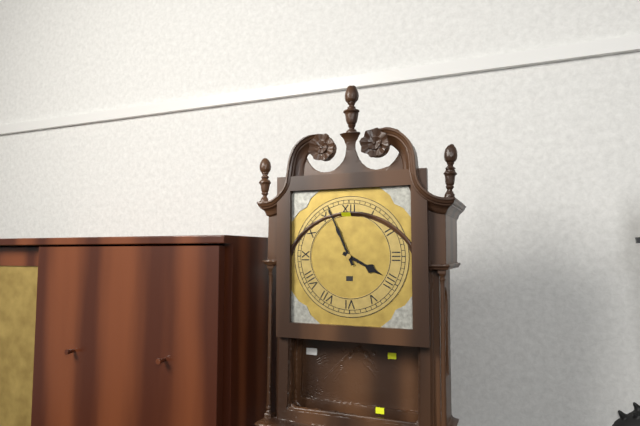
{"hour": 3, "minute": 56}
